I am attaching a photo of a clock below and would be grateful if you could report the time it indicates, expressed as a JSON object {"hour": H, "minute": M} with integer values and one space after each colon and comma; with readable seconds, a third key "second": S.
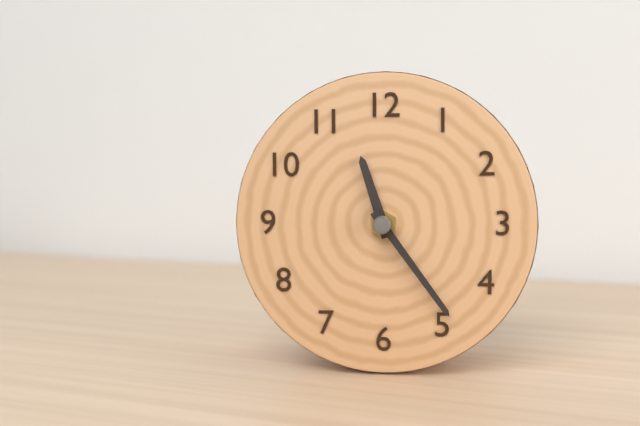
{"hour": 11, "minute": 24}
